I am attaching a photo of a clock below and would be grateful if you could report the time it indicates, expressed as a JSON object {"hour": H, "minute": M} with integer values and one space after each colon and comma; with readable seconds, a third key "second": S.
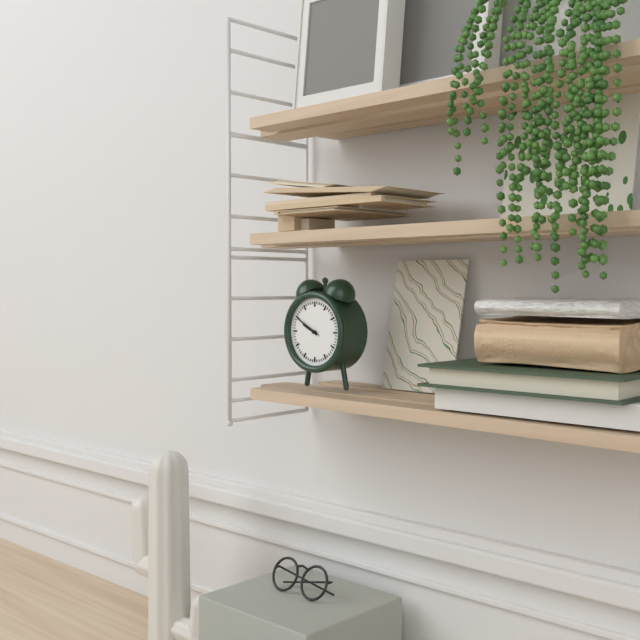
{"hour": 9, "minute": 50}
